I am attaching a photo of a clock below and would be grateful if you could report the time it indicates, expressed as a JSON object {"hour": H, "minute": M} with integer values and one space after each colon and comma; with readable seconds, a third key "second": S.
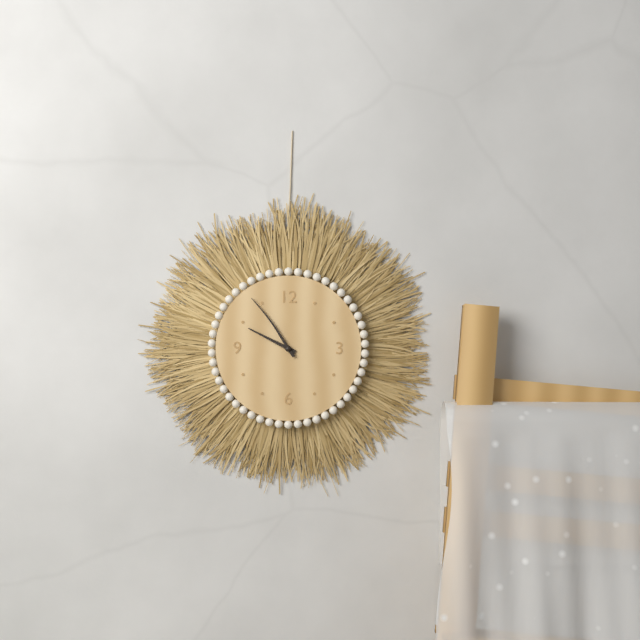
{"hour": 9, "minute": 54}
